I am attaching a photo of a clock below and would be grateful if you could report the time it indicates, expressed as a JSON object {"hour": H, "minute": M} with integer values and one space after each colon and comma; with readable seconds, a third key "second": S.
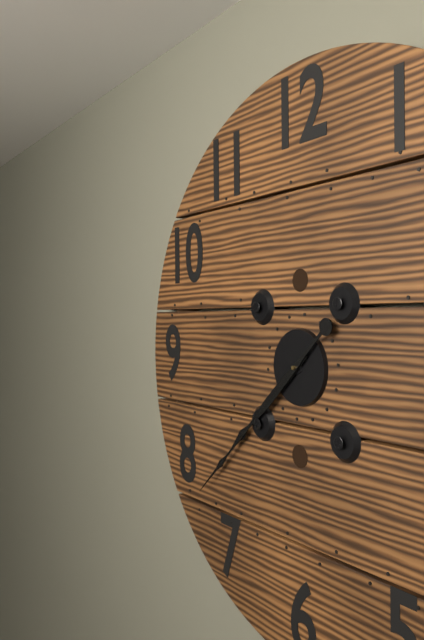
{"hour": 7, "minute": 38}
